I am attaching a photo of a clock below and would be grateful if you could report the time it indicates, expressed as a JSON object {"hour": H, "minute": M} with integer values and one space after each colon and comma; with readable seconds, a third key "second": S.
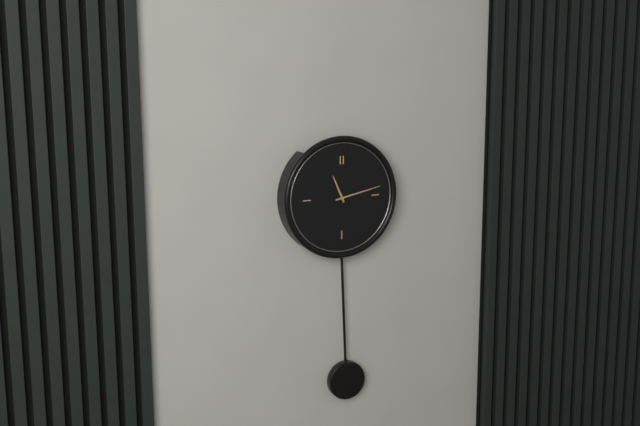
{"hour": 11, "minute": 13}
